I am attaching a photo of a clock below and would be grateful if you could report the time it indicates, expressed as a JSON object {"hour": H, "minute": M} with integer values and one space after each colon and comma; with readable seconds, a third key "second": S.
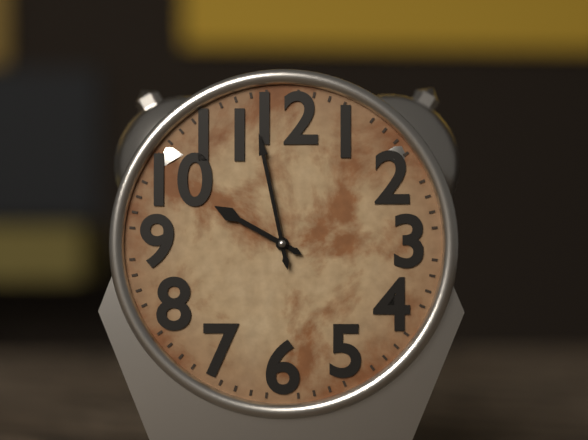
{"hour": 9, "minute": 58}
